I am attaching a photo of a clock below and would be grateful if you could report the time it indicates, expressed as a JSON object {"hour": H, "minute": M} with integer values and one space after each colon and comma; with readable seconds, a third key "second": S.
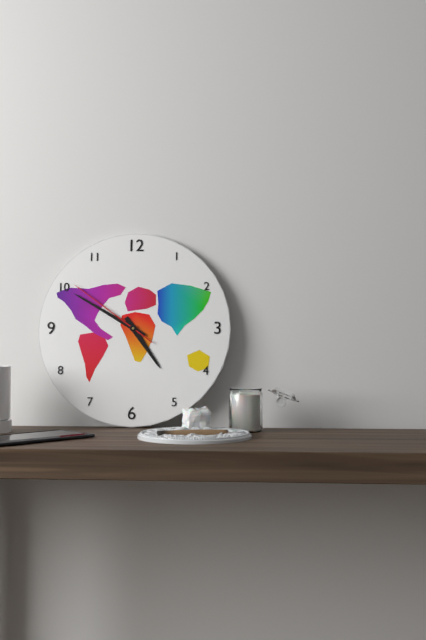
{"hour": 4, "minute": 50, "second": 51}
